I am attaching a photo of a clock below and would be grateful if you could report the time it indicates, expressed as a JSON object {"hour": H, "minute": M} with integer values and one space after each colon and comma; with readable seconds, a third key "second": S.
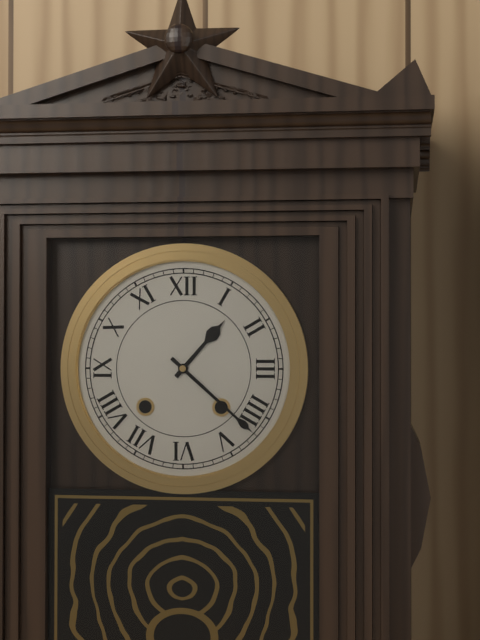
{"hour": 1, "minute": 22}
